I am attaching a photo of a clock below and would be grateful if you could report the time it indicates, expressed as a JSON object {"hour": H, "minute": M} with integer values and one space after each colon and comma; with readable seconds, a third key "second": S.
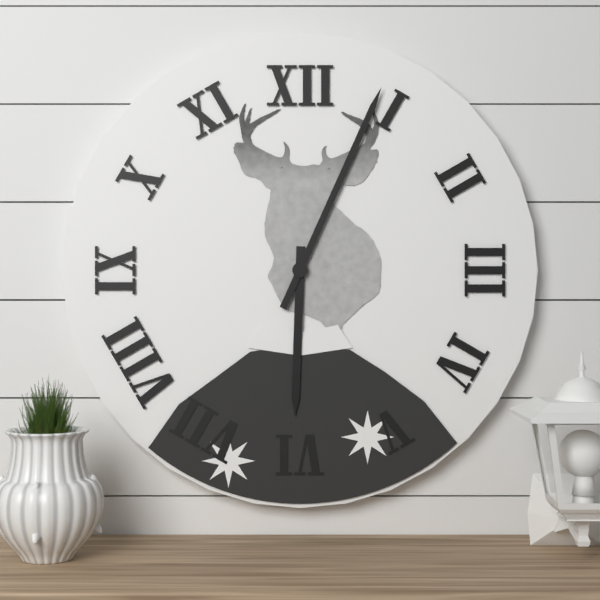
{"hour": 6, "minute": 4}
